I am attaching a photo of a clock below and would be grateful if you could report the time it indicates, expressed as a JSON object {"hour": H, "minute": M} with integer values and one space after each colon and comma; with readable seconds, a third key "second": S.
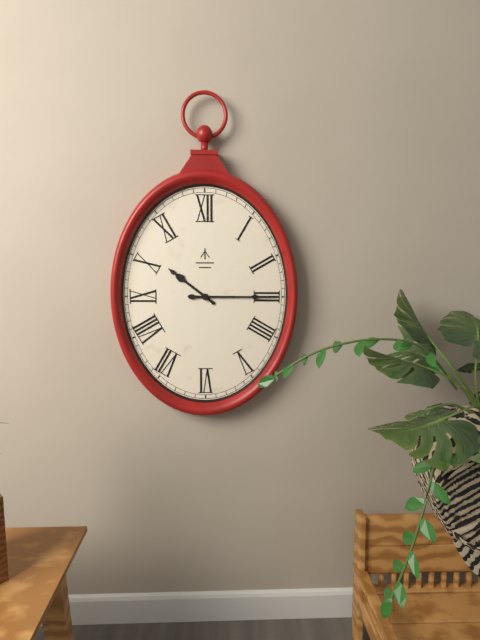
{"hour": 10, "minute": 15}
